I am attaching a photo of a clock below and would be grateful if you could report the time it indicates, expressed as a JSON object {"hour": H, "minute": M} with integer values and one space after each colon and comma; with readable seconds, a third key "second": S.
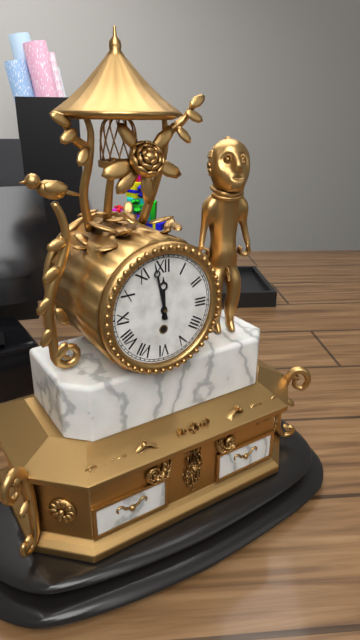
{"hour": 11, "minute": 58}
